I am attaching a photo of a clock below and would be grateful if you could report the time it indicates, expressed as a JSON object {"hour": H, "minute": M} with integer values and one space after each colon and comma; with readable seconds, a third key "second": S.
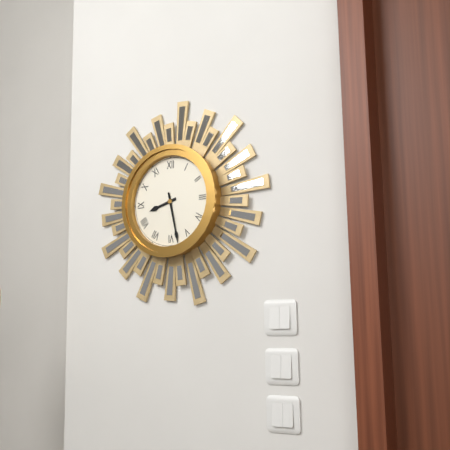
{"hour": 8, "minute": 28}
